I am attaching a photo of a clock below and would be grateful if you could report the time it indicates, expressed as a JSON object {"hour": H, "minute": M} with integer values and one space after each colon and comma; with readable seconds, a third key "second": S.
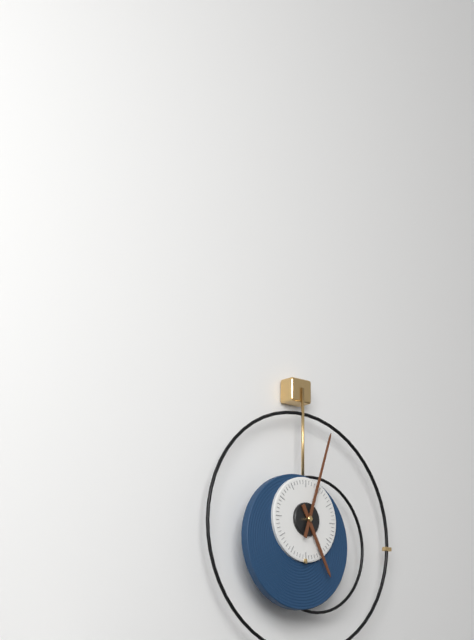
{"hour": 5, "minute": 3}
